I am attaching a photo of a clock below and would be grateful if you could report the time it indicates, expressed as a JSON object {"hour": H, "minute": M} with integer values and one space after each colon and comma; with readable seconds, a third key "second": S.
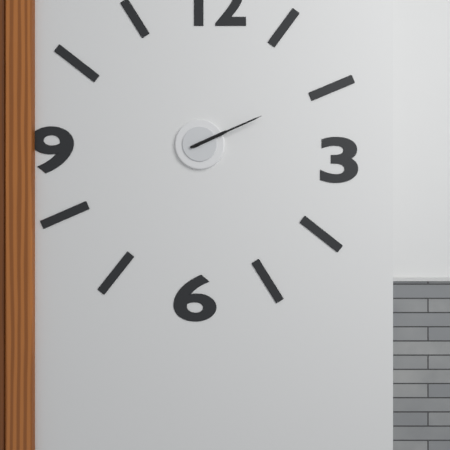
{"hour": 2, "minute": 11}
